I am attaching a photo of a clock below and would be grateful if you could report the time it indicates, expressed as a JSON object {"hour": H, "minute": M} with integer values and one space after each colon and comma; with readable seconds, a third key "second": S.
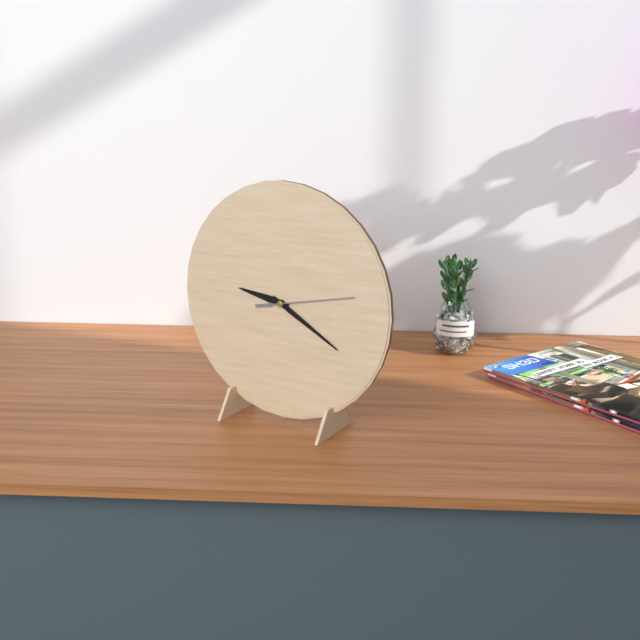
{"hour": 9, "minute": 20, "second": 13}
